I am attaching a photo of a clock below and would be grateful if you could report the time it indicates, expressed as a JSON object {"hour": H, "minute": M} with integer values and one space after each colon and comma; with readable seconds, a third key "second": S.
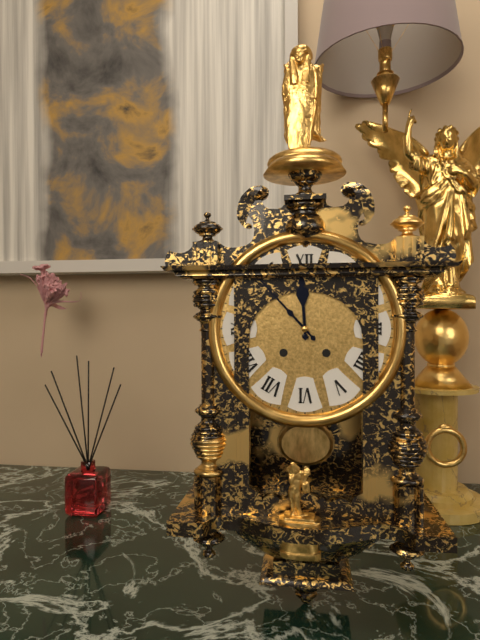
{"hour": 11, "minute": 53}
